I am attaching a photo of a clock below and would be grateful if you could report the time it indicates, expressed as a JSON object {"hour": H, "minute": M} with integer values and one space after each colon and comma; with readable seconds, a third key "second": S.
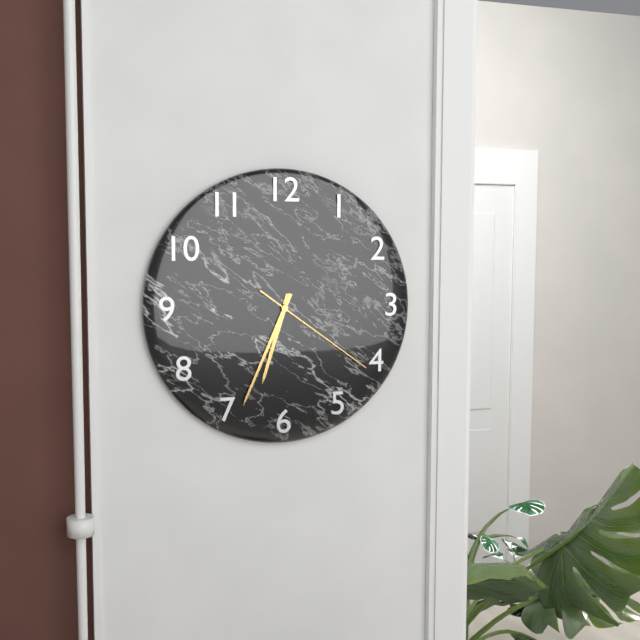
{"hour": 6, "minute": 34, "second": 21}
